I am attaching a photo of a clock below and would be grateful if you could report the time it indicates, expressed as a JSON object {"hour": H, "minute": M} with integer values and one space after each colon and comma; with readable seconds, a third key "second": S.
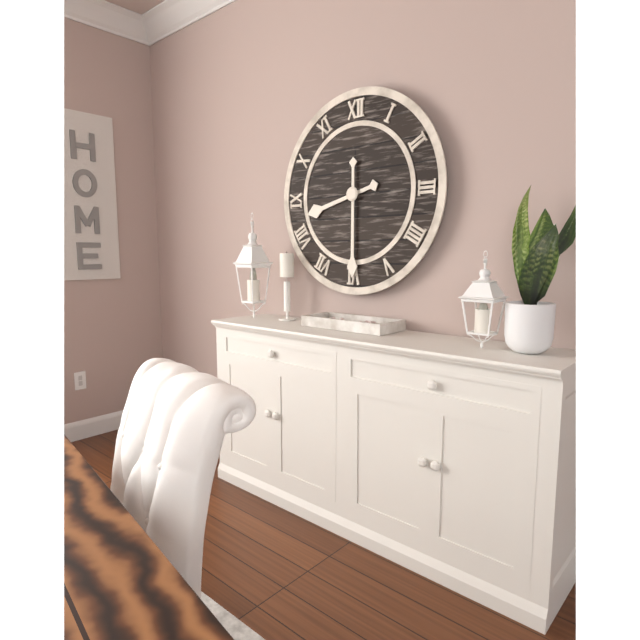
{"hour": 8, "minute": 30}
